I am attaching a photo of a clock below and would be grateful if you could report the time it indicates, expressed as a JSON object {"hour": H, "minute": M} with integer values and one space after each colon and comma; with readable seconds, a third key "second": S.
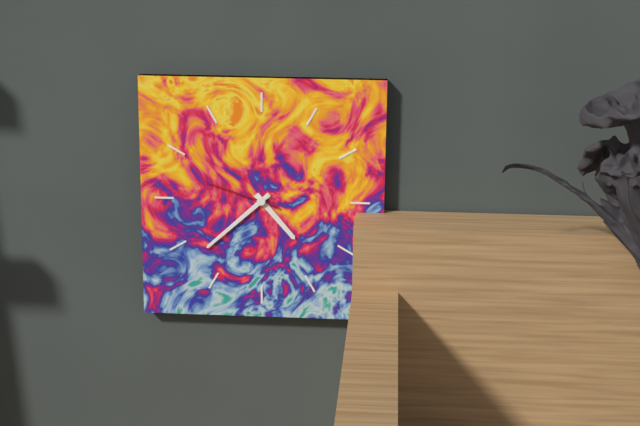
{"hour": 4, "minute": 38, "second": 48}
